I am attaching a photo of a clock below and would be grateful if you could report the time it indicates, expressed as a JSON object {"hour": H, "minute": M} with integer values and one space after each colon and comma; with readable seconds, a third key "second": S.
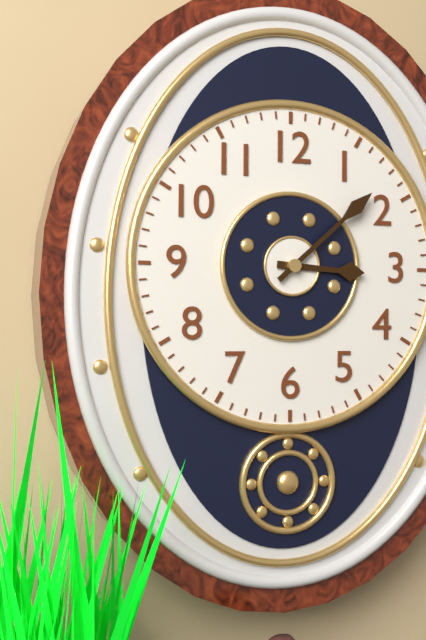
{"hour": 3, "minute": 8}
